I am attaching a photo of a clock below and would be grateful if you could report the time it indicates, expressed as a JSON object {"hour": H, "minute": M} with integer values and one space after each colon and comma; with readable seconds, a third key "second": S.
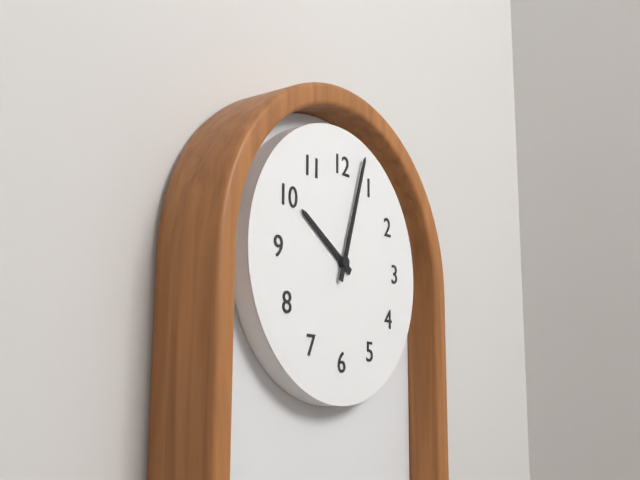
{"hour": 10, "minute": 3}
